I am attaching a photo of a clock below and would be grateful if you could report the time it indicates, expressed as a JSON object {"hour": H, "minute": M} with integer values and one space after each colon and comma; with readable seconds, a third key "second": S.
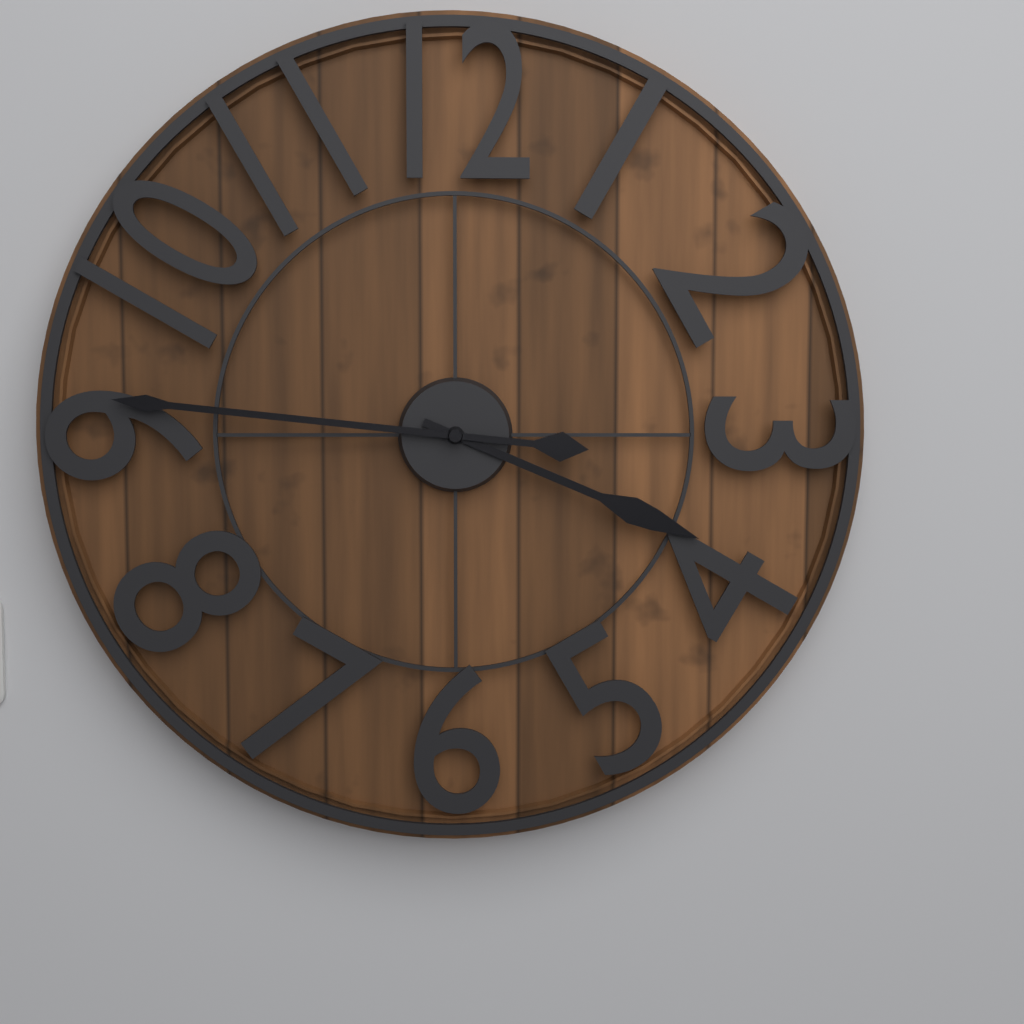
{"hour": 3, "minute": 46}
